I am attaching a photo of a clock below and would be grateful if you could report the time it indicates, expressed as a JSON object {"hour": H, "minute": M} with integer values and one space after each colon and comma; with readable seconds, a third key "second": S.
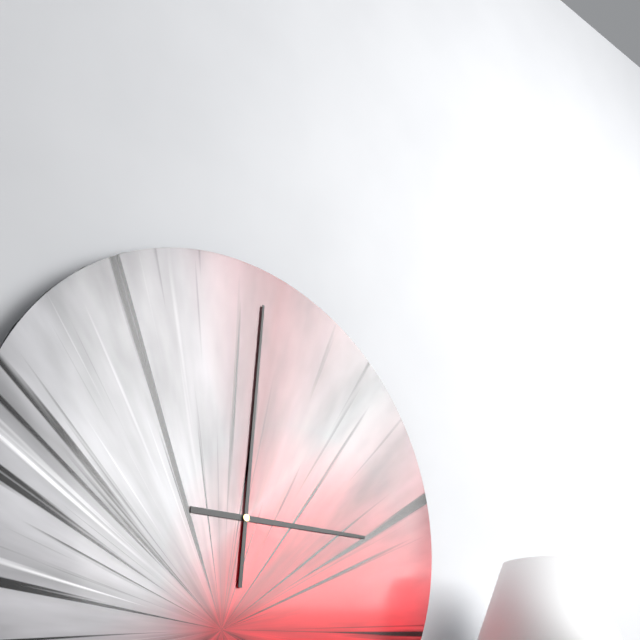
{"hour": 3, "minute": 1}
